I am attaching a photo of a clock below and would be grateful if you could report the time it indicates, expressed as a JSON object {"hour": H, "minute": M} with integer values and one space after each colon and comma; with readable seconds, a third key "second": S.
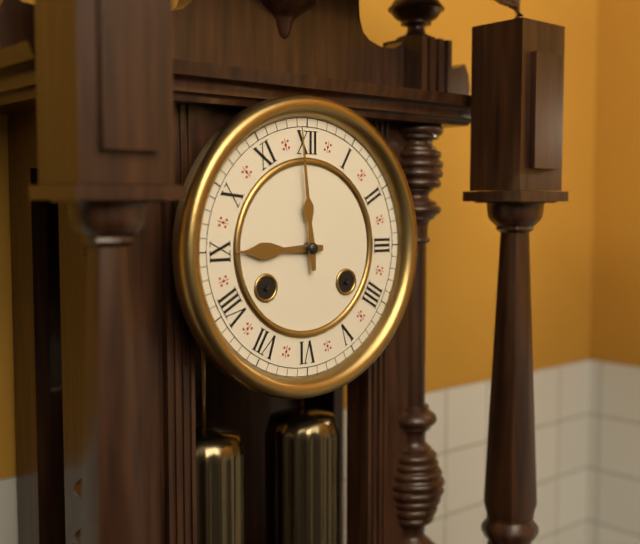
{"hour": 8, "minute": 59}
